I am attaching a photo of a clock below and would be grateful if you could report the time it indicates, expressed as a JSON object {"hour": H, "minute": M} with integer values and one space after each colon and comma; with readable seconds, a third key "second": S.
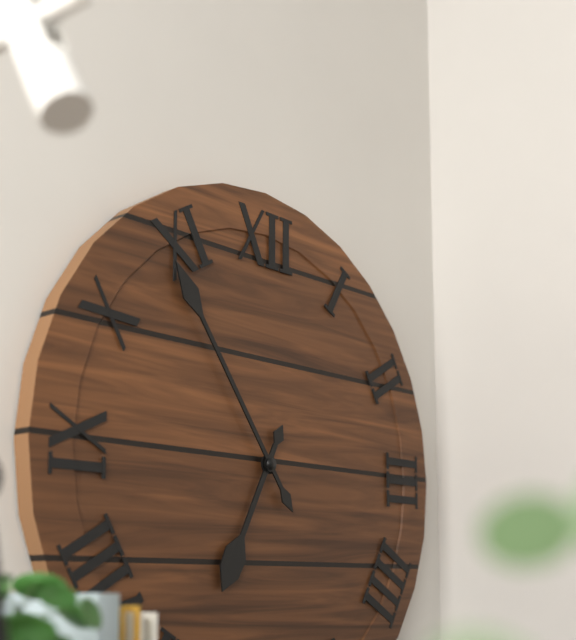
{"hour": 6, "minute": 54}
